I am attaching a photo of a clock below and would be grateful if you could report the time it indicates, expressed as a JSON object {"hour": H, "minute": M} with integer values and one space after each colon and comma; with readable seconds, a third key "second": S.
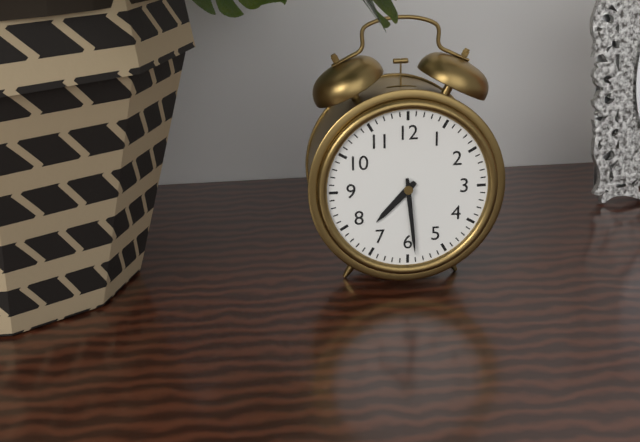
{"hour": 7, "minute": 29}
